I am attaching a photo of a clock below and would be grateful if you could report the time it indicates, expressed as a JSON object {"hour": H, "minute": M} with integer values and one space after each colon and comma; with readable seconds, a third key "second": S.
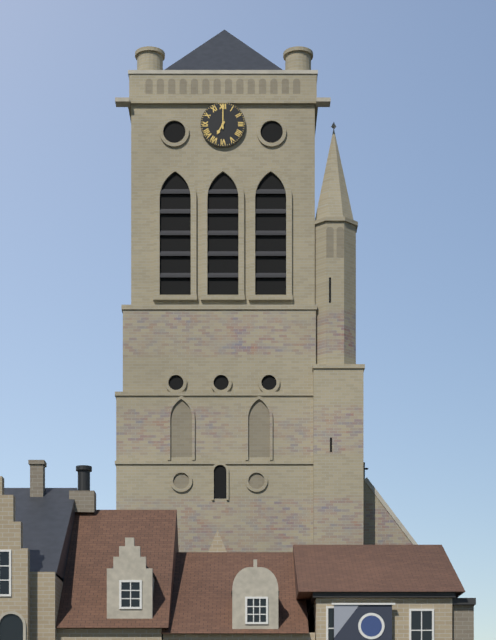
{"hour": 7, "minute": 0}
